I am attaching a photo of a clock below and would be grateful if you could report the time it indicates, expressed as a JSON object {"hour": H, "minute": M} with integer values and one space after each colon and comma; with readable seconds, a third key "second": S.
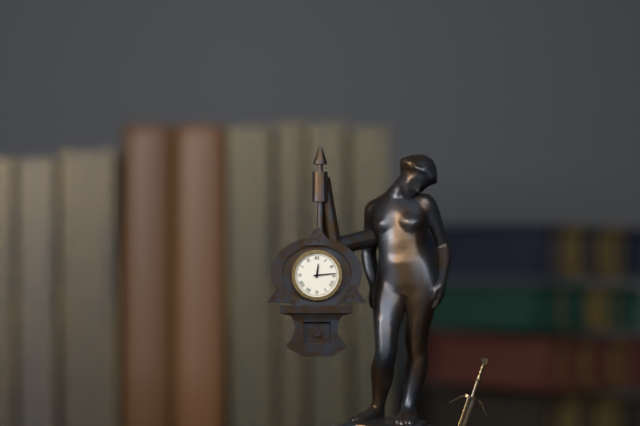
{"hour": 12, "minute": 14}
